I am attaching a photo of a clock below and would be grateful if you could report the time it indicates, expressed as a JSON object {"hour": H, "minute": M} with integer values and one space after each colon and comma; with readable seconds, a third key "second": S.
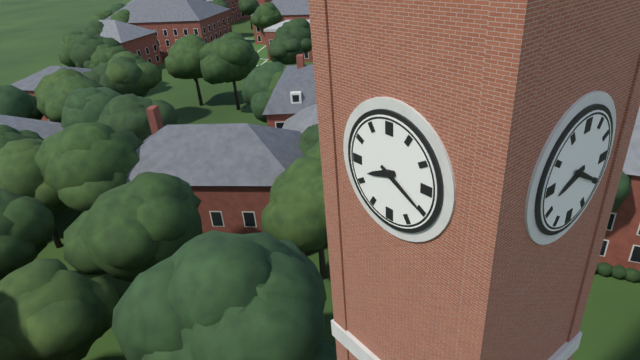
{"hour": 8, "minute": 20}
